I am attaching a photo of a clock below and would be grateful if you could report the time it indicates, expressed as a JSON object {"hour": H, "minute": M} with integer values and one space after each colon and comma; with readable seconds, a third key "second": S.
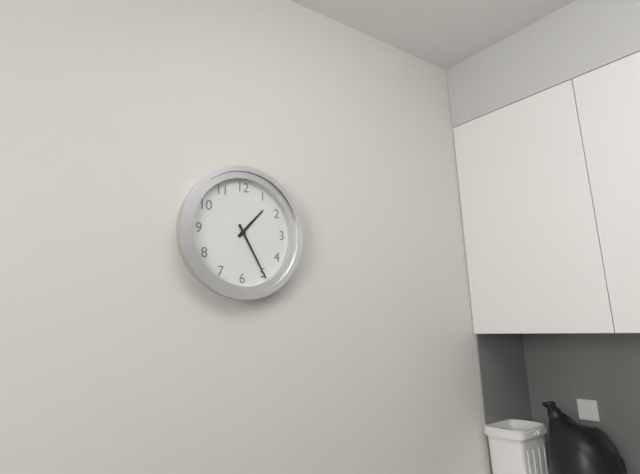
{"hour": 1, "minute": 25}
